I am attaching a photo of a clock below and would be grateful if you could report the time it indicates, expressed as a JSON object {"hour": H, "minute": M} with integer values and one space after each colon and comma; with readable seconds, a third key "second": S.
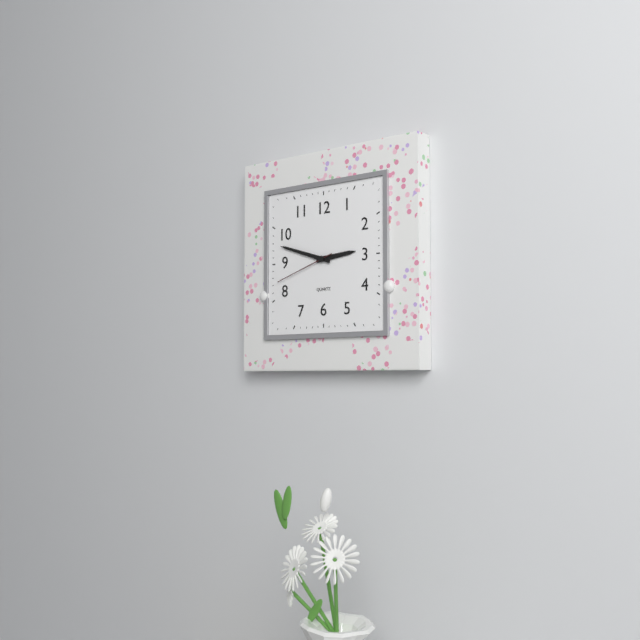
{"hour": 2, "minute": 48, "second": 42}
